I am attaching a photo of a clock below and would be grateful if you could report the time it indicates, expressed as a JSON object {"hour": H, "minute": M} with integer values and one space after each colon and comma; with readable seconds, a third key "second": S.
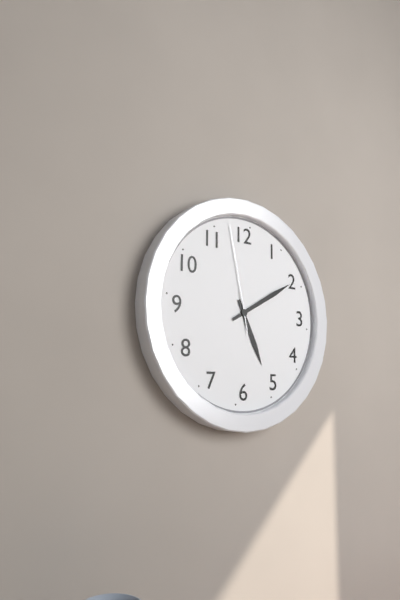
{"hour": 5, "minute": 10, "second": 58}
